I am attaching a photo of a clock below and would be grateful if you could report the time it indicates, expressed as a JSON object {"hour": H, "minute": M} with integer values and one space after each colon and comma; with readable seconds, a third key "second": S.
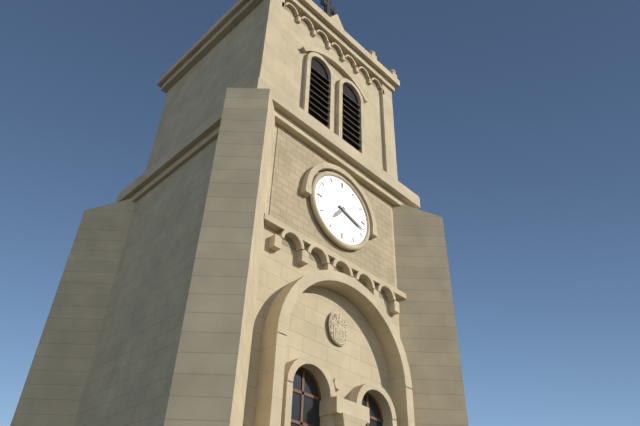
{"hour": 7, "minute": 18}
